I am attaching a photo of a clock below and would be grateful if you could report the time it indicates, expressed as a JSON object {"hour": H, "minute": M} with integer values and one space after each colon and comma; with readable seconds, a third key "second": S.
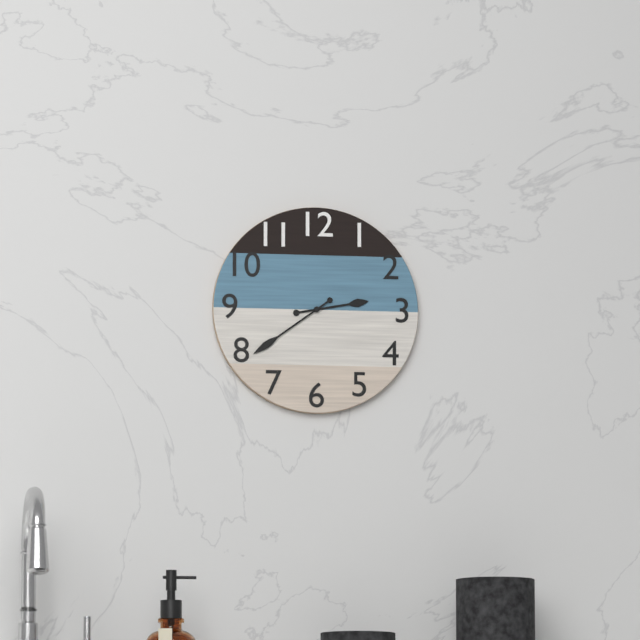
{"hour": 2, "minute": 39}
